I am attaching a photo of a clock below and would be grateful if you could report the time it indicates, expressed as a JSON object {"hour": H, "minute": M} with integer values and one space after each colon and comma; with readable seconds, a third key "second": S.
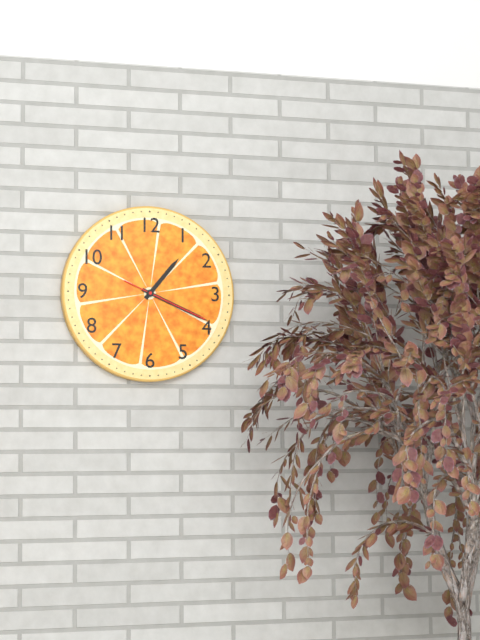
{"hour": 1, "minute": 19, "second": 19}
